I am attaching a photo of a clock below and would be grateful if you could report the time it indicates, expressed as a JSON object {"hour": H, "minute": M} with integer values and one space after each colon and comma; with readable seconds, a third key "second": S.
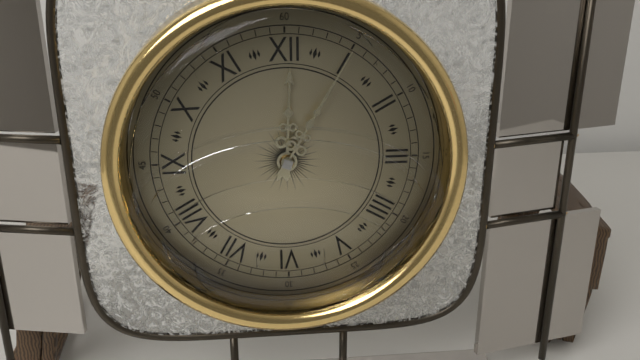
{"hour": 12, "minute": 5}
